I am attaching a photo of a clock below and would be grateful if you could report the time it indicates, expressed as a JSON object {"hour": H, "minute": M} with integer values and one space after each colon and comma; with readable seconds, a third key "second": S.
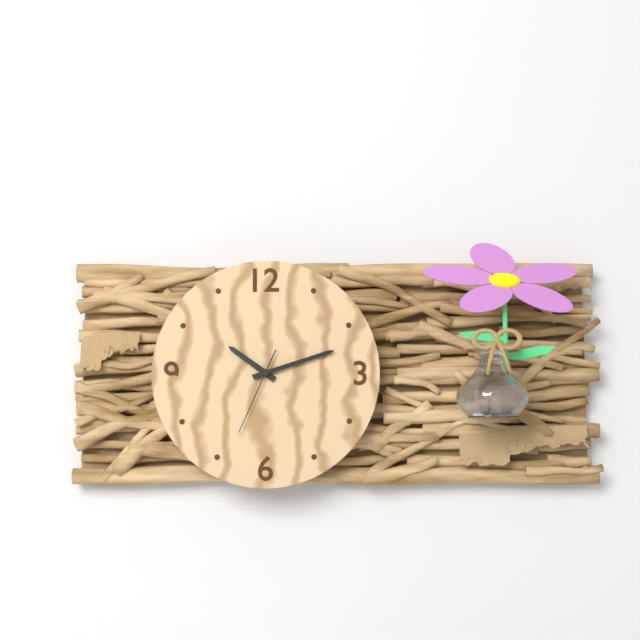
{"hour": 10, "minute": 12, "second": 34}
